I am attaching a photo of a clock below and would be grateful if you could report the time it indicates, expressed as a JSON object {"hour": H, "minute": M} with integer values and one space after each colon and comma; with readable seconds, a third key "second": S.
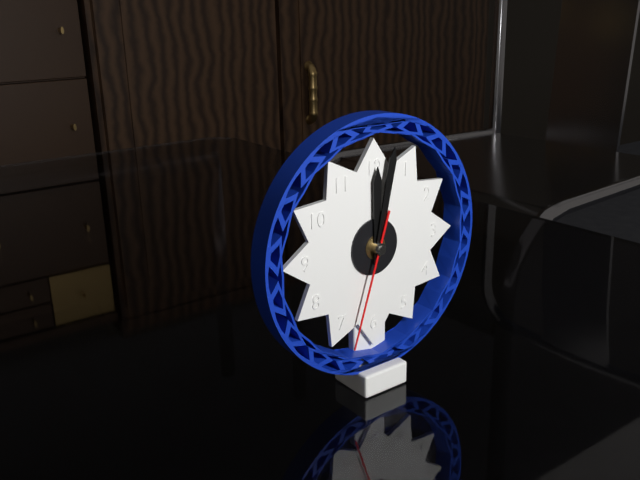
{"hour": 12, "minute": 2, "second": 33}
